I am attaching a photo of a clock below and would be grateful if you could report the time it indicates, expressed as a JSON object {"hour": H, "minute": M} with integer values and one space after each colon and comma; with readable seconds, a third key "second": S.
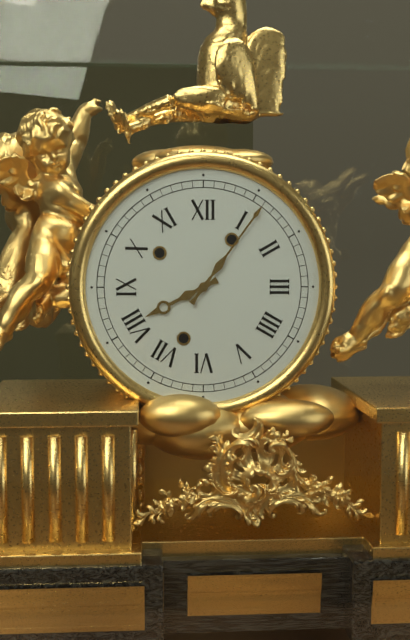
{"hour": 8, "minute": 6}
